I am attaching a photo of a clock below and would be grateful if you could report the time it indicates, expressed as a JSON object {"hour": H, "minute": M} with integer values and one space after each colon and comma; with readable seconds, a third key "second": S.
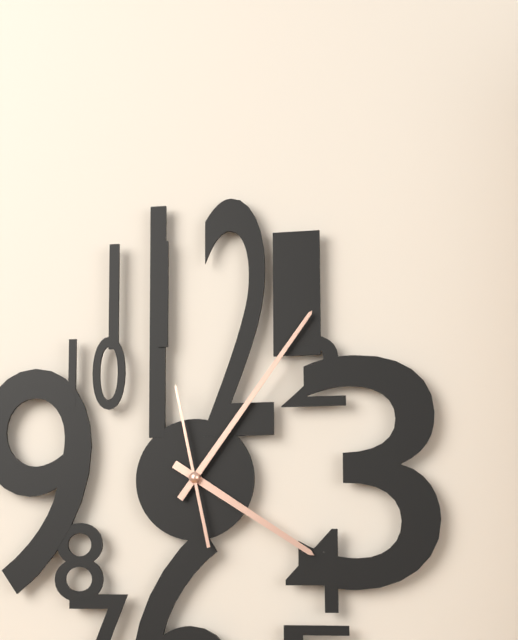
{"hour": 4, "minute": 6, "second": 58}
